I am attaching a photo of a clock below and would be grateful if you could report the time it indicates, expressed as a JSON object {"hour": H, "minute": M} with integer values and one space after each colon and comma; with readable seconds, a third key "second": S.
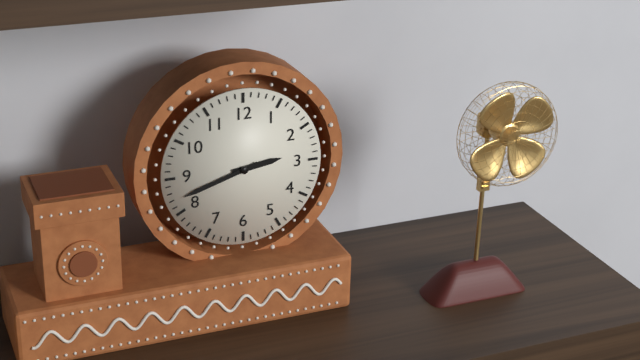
{"hour": 2, "minute": 42}
